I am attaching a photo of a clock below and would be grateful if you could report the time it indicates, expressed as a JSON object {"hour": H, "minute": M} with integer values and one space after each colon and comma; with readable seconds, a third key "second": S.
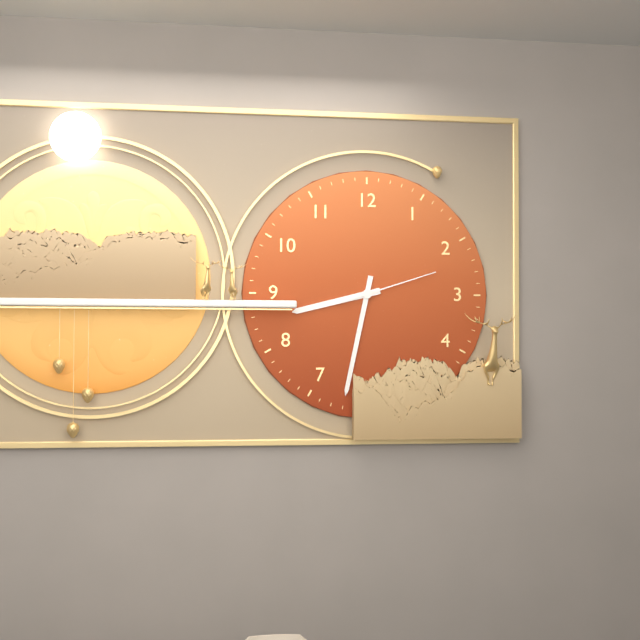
{"hour": 8, "minute": 32, "second": 12}
